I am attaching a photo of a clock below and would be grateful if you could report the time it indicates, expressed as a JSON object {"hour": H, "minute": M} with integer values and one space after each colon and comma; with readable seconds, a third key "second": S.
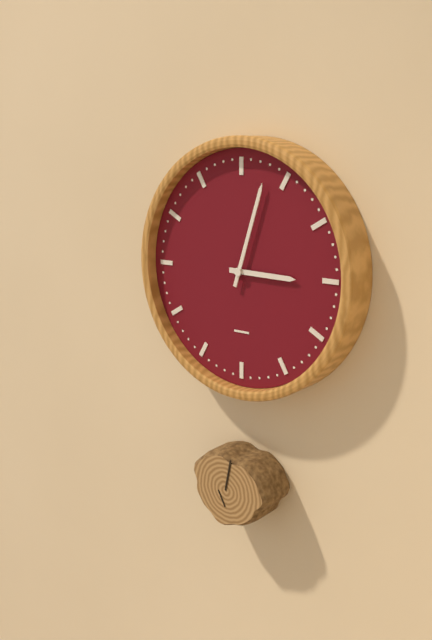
{"hour": 3, "minute": 3}
